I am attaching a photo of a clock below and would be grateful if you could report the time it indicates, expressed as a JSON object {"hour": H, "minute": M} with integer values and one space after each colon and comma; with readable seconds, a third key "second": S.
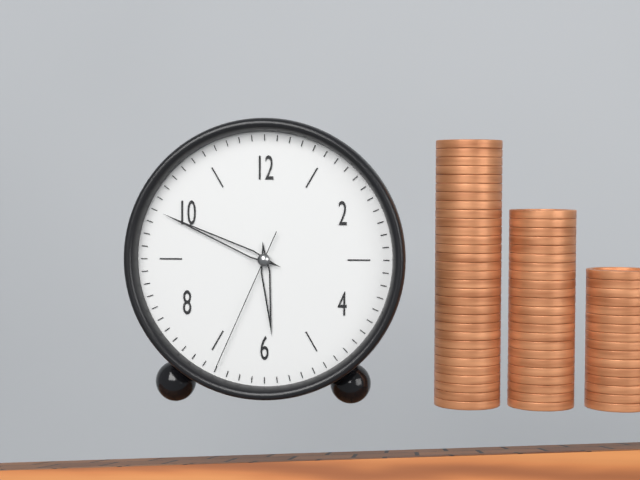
{"hour": 5, "minute": 49, "second": 34}
